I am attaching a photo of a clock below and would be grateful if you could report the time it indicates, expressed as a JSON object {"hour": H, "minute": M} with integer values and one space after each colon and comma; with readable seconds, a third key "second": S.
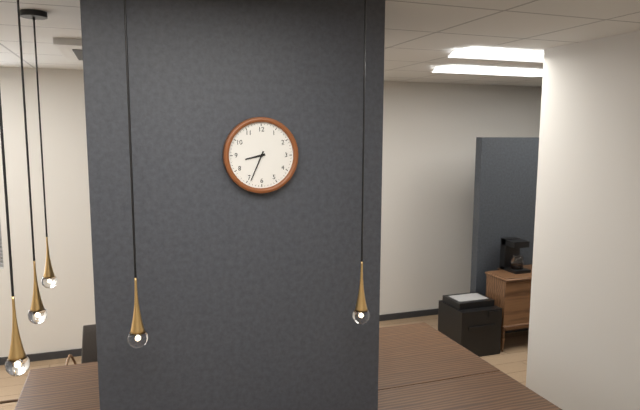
{"hour": 8, "minute": 34}
